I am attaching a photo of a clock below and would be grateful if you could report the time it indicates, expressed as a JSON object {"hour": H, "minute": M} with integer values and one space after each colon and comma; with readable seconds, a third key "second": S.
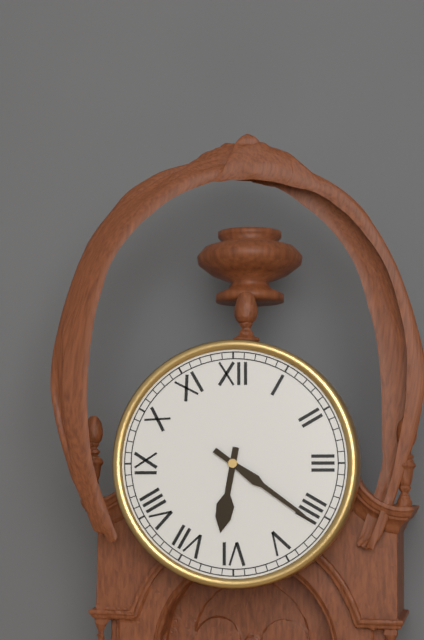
{"hour": 6, "minute": 21}
